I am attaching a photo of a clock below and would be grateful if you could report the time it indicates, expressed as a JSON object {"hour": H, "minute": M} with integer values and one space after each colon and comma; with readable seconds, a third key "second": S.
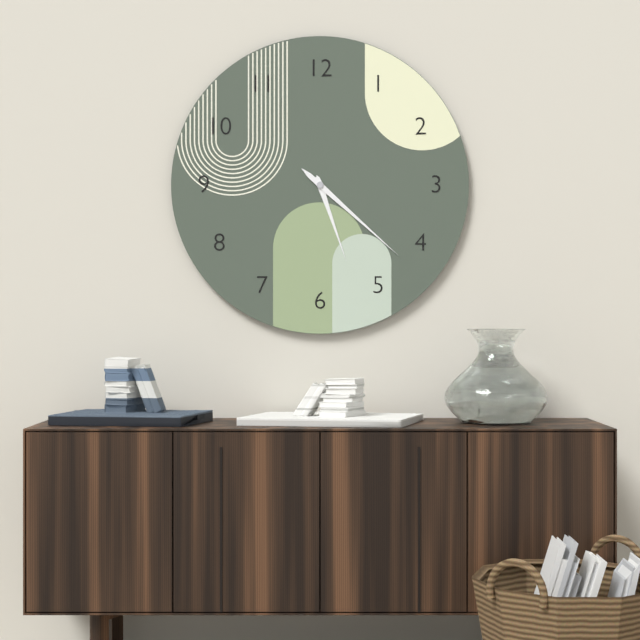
{"hour": 5, "minute": 22}
